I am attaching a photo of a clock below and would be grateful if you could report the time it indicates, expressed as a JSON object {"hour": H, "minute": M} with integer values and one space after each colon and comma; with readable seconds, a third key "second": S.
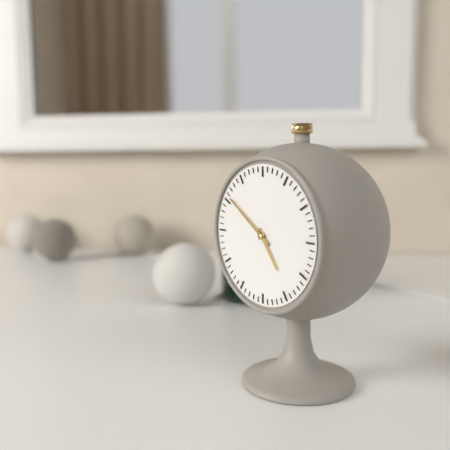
{"hour": 4, "minute": 51}
